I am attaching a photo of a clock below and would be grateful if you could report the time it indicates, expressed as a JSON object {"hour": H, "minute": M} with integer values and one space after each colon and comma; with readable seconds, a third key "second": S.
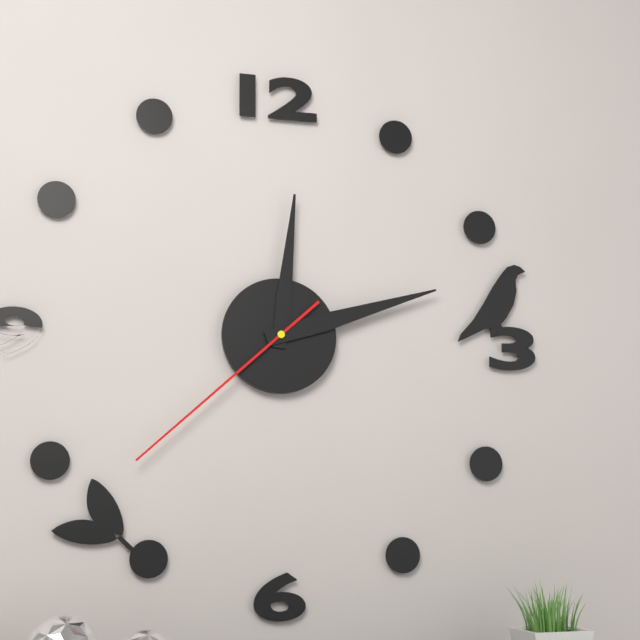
{"hour": 12, "minute": 12, "second": 38}
